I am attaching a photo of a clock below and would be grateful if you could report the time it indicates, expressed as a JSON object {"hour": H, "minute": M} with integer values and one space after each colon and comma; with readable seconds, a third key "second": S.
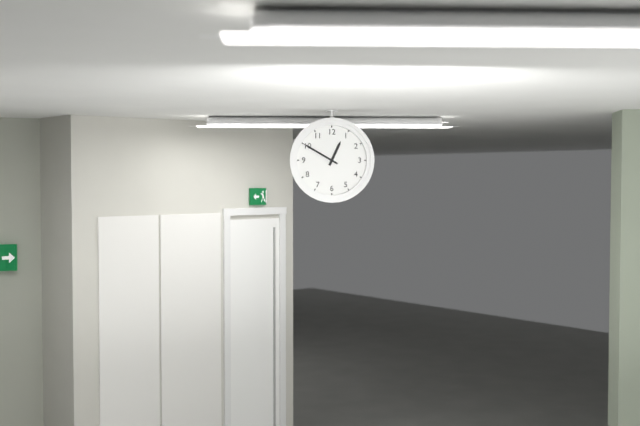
{"hour": 12, "minute": 50}
